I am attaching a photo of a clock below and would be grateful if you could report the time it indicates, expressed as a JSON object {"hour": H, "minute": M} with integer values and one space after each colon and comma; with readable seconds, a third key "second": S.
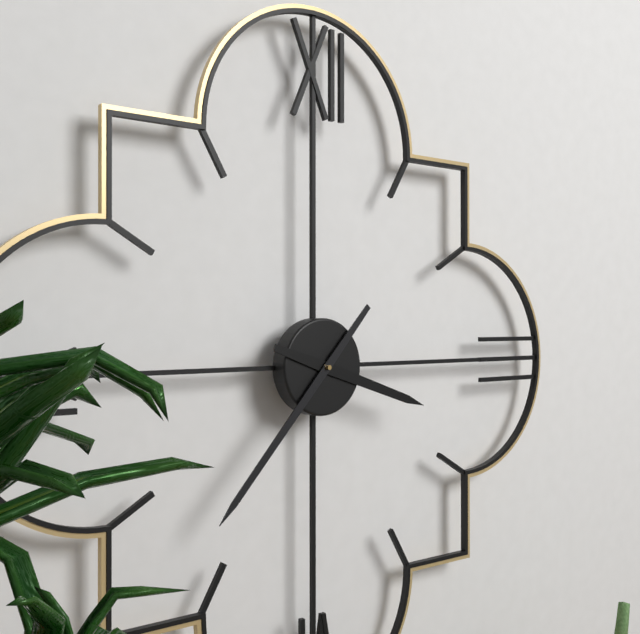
{"hour": 3, "minute": 37}
